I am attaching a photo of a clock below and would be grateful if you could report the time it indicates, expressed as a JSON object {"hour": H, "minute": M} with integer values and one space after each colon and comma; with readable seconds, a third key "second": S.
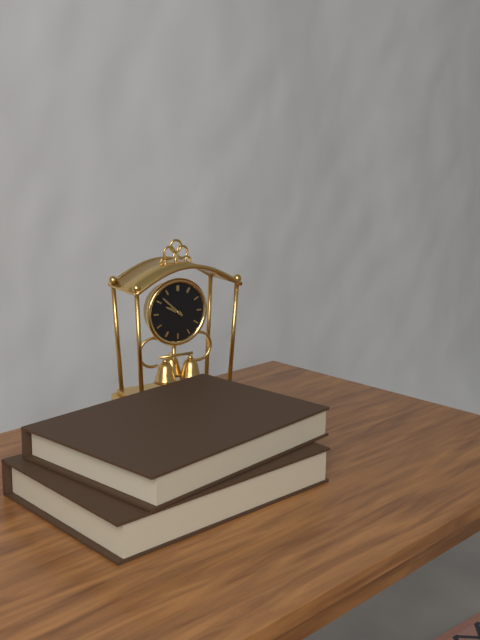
{"hour": 9, "minute": 52}
